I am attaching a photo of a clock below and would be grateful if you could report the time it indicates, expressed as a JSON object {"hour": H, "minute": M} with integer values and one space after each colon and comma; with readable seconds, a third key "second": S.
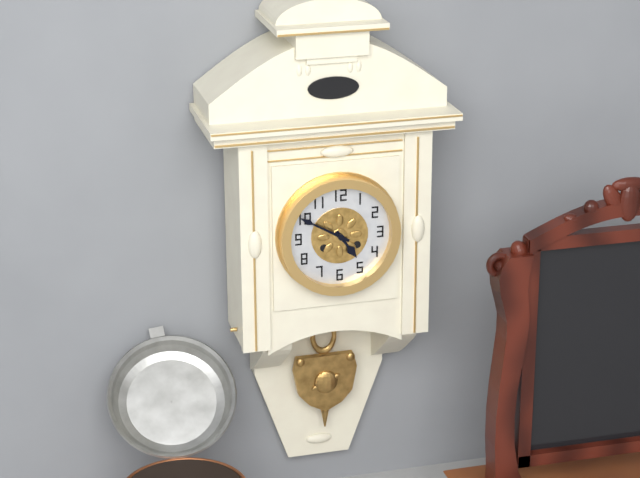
{"hour": 4, "minute": 50}
